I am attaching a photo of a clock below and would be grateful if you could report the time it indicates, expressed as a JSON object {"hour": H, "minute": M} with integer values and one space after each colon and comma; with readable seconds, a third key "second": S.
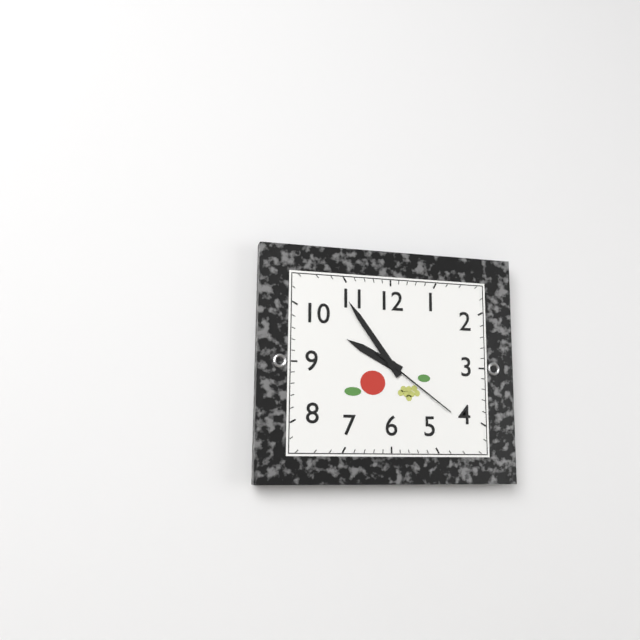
{"hour": 9, "minute": 54, "second": 21}
